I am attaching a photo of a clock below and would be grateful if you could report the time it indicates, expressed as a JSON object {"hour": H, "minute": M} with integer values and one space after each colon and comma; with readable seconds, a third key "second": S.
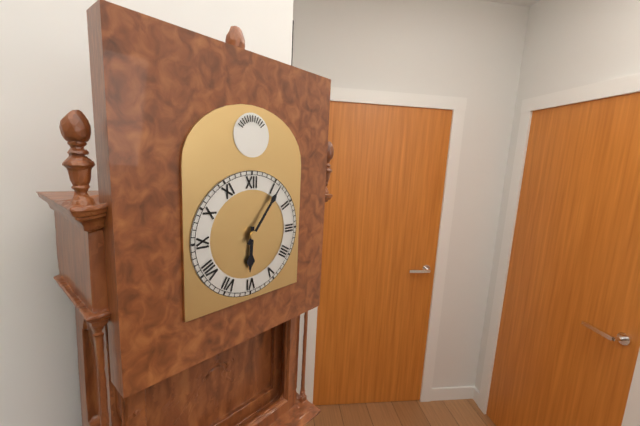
{"hour": 6, "minute": 6}
